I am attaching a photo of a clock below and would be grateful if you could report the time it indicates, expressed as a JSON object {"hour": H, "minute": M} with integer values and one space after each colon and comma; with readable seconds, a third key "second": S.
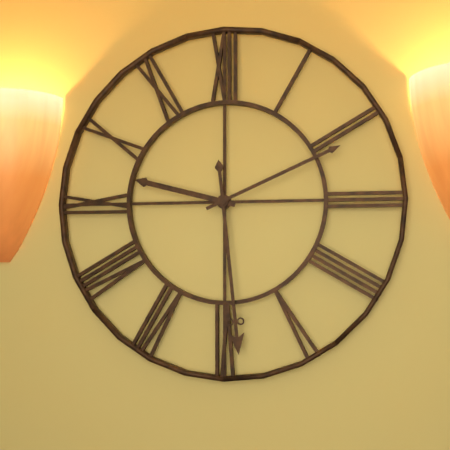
{"hour": 9, "minute": 29, "second": 11}
